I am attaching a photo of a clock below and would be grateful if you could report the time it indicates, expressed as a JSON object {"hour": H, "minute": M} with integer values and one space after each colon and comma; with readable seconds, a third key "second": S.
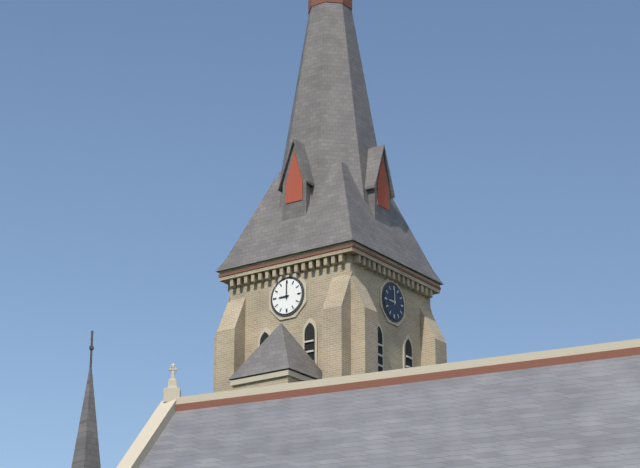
{"hour": 9, "minute": 0}
